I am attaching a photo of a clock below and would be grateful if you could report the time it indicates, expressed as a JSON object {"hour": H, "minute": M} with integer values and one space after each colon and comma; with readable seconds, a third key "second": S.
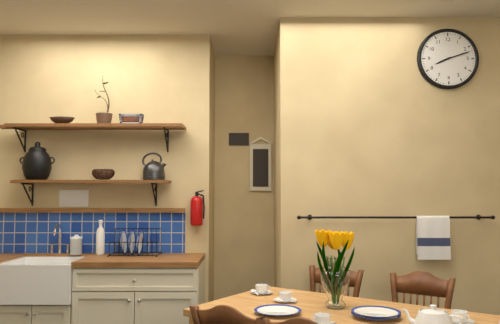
{"hour": 8, "minute": 12}
